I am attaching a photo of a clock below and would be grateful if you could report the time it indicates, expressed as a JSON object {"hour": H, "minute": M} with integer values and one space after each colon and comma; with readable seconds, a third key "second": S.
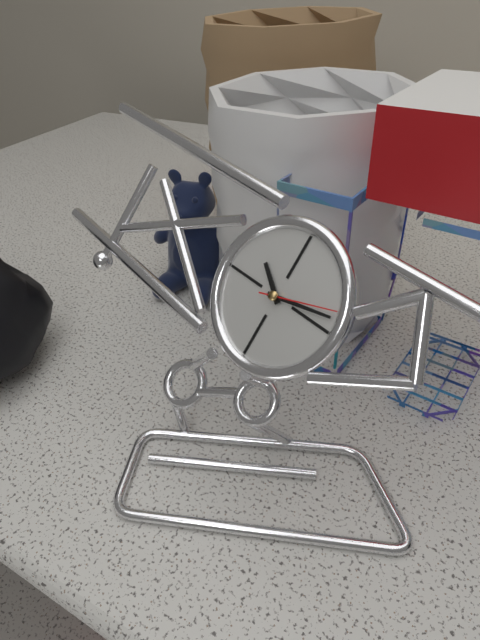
{"hour": 10, "minute": 13, "second": 12}
